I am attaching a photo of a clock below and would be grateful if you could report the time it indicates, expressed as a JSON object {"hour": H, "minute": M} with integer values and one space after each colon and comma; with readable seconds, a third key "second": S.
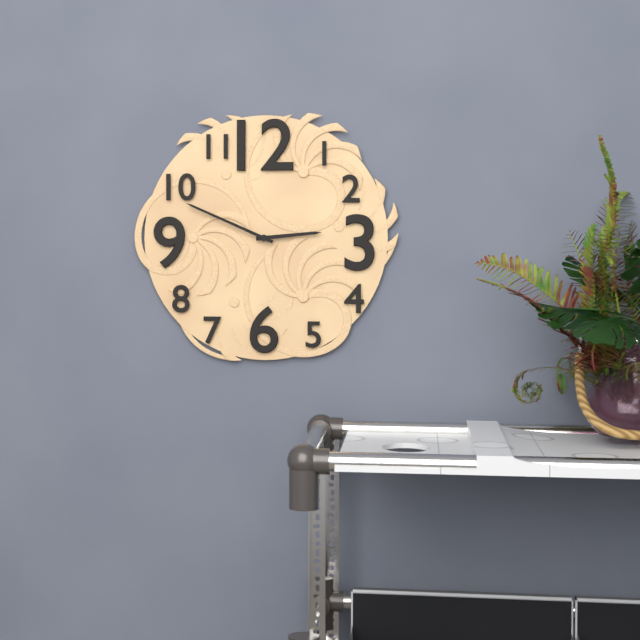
{"hour": 2, "minute": 49}
